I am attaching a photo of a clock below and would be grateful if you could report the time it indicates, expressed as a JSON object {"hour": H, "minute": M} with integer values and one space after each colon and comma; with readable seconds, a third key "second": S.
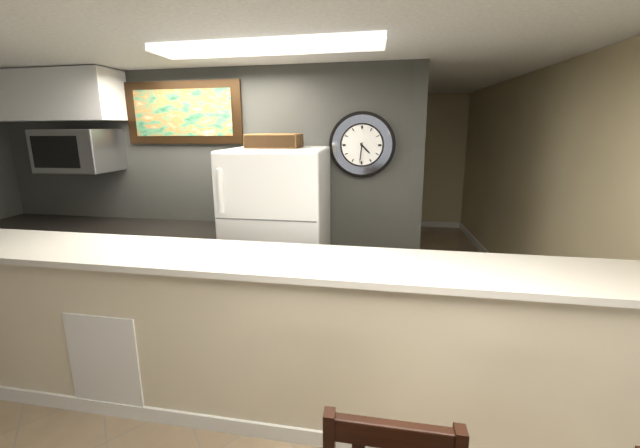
{"hour": 4, "minute": 31}
